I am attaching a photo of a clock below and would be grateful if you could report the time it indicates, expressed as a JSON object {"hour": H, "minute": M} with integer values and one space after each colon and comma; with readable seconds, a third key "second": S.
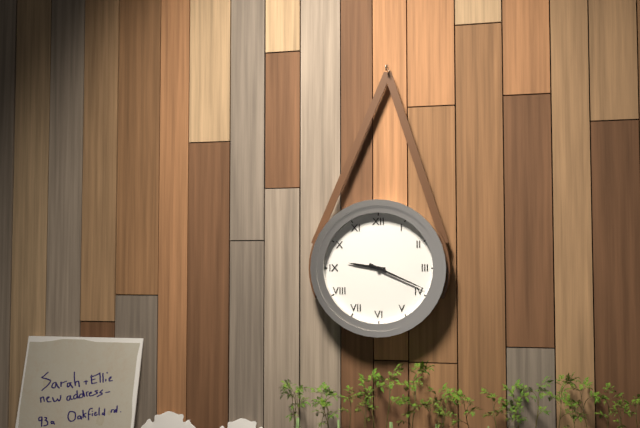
{"hour": 9, "minute": 19}
